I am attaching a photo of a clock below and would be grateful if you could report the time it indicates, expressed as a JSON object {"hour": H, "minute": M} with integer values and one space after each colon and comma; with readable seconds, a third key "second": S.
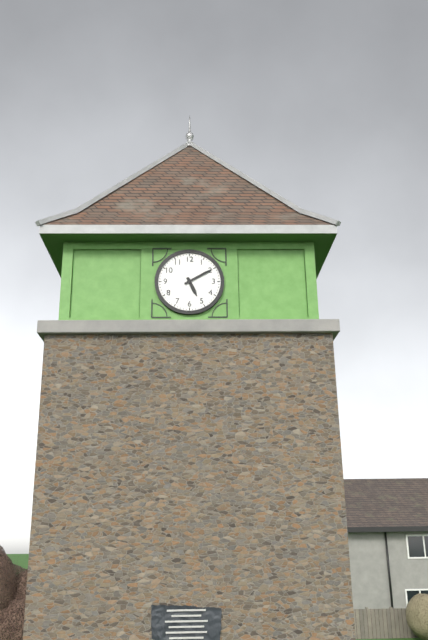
{"hour": 5, "minute": 10}
